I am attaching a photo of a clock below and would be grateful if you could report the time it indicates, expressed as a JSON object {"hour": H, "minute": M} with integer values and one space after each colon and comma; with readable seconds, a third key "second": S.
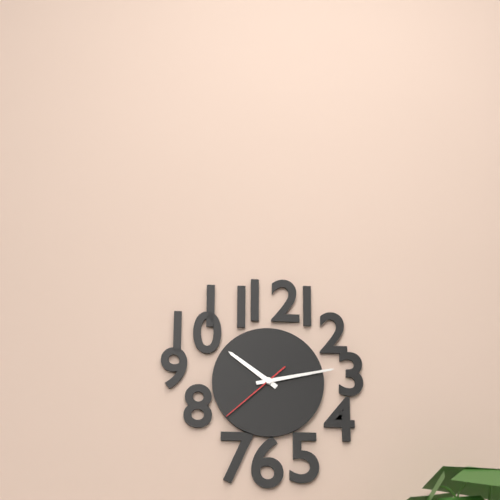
{"hour": 10, "minute": 13, "second": 38}
